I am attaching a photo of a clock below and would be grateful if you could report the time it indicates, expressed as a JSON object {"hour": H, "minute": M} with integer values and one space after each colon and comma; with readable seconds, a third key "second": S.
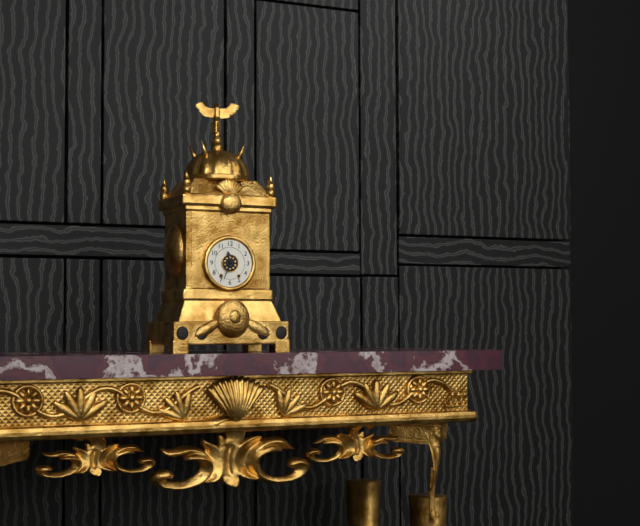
{"hour": 11, "minute": 34}
